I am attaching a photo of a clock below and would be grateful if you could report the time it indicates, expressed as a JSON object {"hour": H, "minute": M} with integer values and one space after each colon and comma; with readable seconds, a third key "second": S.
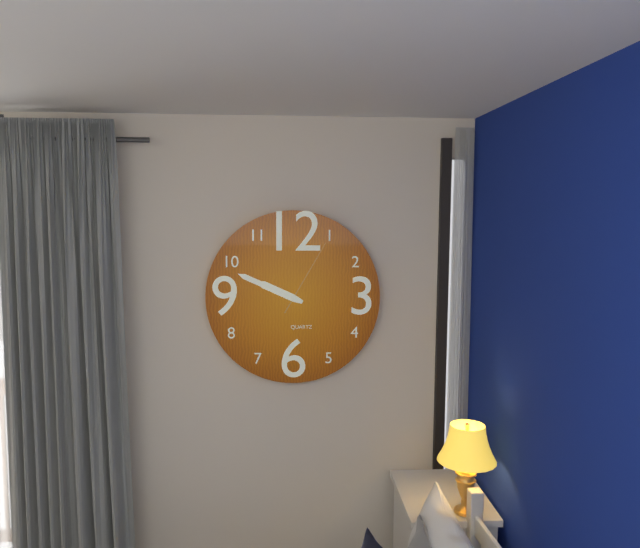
{"hour": 9, "minute": 49, "second": 5}
